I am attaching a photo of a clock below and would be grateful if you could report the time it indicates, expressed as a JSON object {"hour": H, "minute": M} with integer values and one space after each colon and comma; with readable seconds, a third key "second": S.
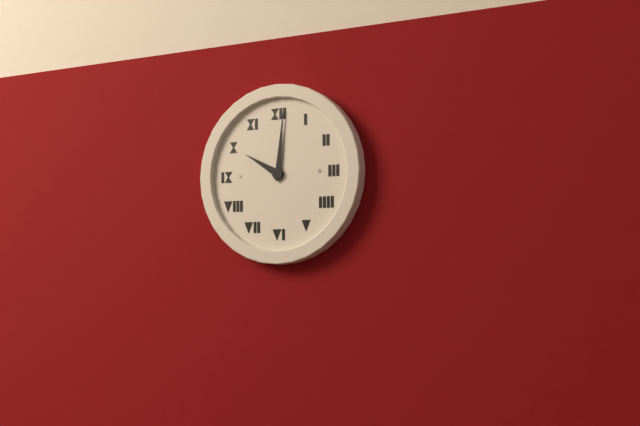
{"hour": 10, "minute": 1}
